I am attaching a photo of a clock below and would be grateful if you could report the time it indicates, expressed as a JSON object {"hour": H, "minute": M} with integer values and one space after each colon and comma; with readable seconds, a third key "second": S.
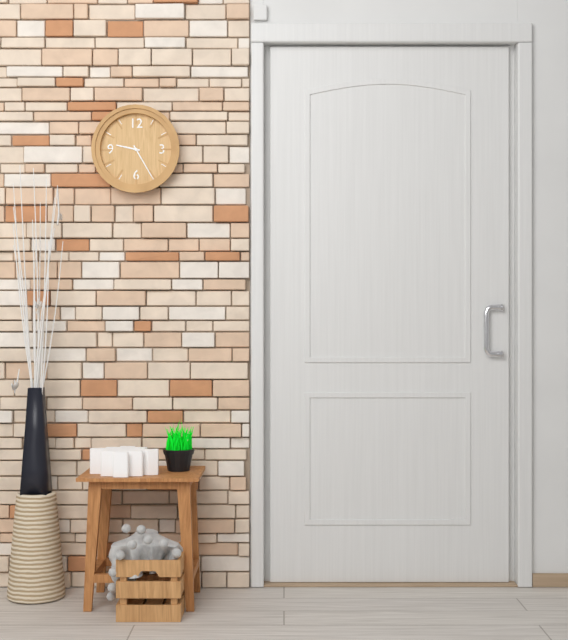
{"hour": 9, "minute": 25}
